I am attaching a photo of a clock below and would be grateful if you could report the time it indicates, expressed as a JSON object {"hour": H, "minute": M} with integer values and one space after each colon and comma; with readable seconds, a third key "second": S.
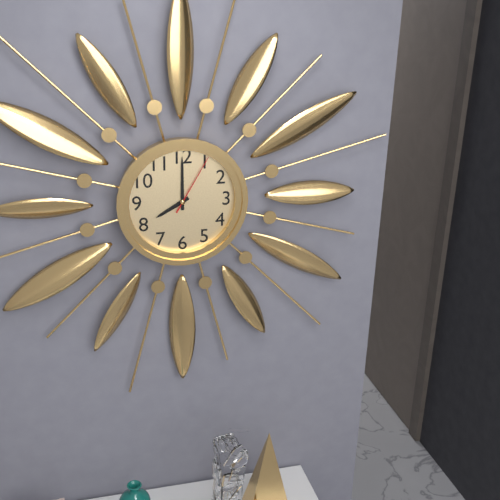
{"hour": 8, "minute": 0, "second": 5}
